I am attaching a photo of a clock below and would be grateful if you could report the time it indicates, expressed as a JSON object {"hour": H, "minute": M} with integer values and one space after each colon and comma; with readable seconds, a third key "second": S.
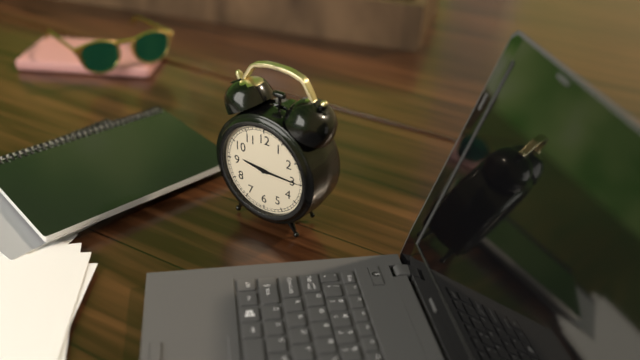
{"hour": 9, "minute": 15}
